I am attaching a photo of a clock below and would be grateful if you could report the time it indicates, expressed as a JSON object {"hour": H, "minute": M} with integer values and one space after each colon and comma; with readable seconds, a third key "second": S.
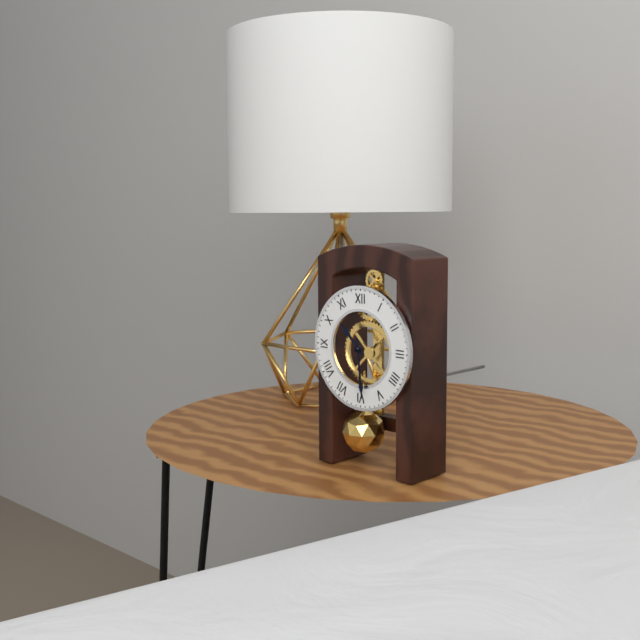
{"hour": 10, "minute": 29}
